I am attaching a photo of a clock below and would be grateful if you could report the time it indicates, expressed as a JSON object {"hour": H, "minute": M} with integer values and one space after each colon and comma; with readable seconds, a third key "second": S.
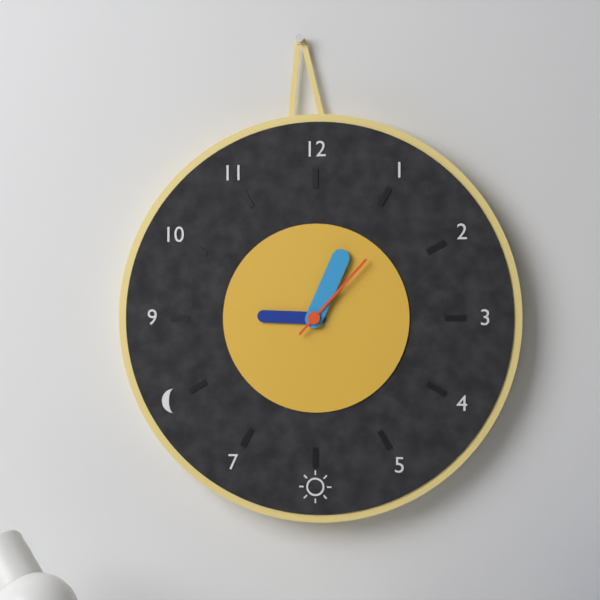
{"hour": 9, "minute": 4, "second": 7}
